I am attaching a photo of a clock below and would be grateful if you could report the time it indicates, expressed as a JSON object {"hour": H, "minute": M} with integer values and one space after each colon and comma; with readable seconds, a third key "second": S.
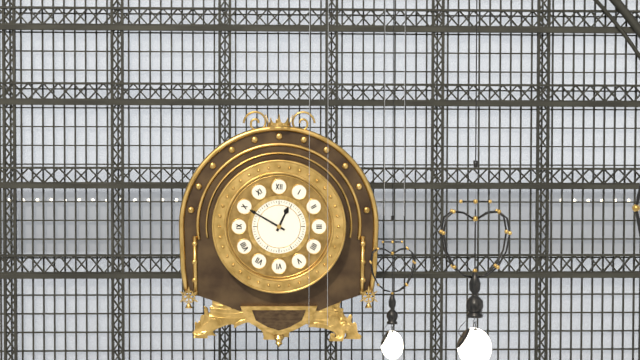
{"hour": 12, "minute": 50}
